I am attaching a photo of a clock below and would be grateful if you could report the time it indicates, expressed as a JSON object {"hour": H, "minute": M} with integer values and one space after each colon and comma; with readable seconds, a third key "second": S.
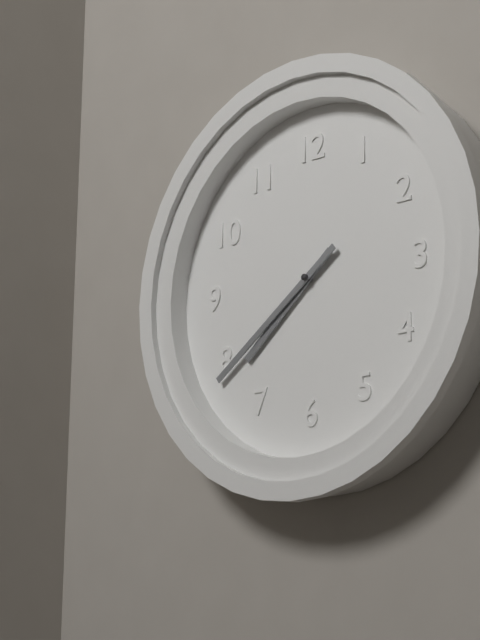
{"hour": 7, "minute": 39}
